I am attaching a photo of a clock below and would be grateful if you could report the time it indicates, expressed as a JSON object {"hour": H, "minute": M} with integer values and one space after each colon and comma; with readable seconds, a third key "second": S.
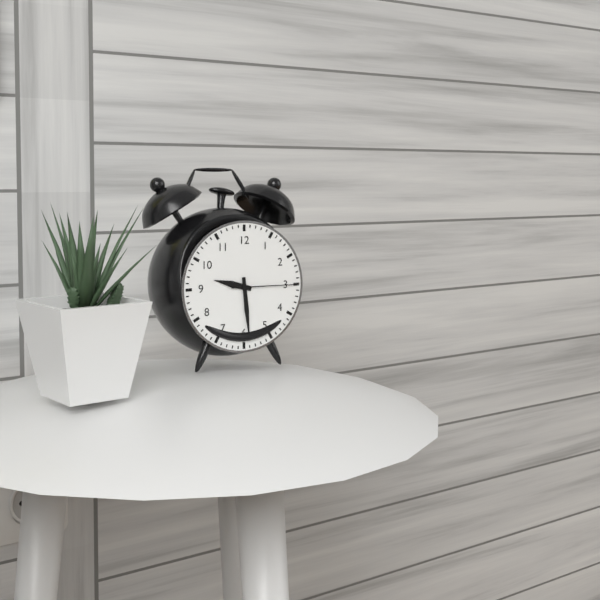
{"hour": 9, "minute": 29, "second": 15}
